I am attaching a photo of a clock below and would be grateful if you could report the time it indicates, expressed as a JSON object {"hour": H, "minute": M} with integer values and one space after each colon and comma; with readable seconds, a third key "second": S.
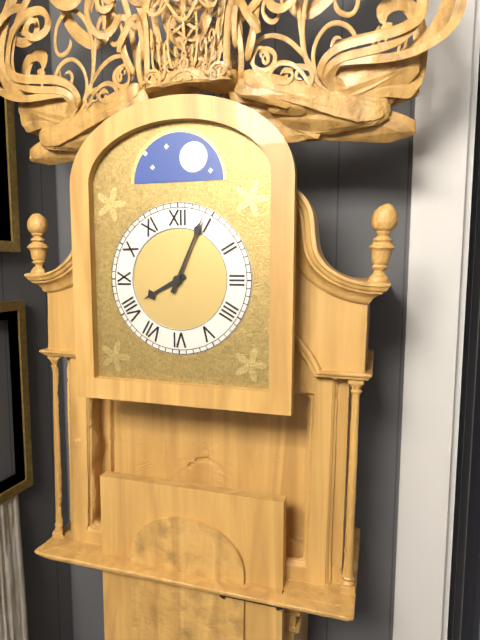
{"hour": 8, "minute": 4}
